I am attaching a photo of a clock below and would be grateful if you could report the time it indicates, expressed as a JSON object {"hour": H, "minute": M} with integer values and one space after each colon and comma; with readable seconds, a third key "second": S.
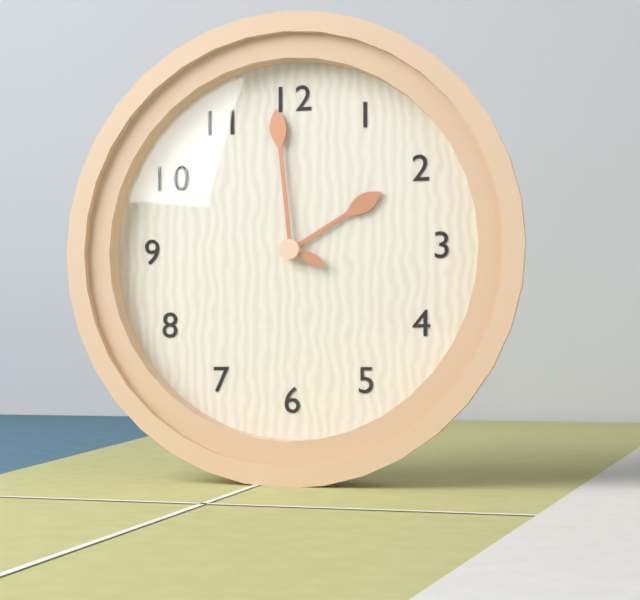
{"hour": 1, "minute": 59}
